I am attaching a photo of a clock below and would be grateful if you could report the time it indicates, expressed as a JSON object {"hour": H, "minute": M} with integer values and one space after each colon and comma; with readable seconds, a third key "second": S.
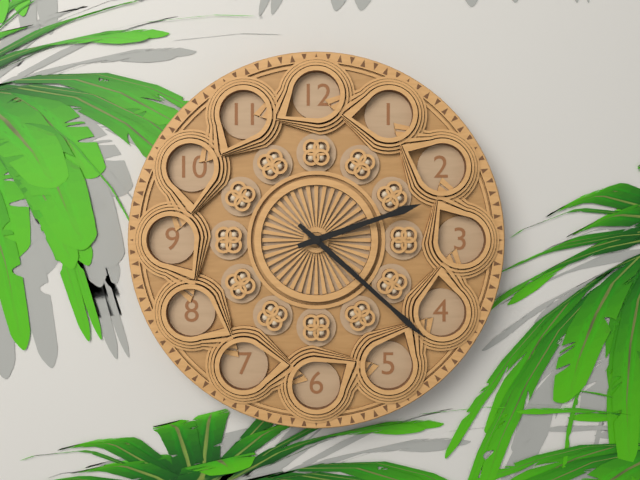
{"hour": 2, "minute": 22}
